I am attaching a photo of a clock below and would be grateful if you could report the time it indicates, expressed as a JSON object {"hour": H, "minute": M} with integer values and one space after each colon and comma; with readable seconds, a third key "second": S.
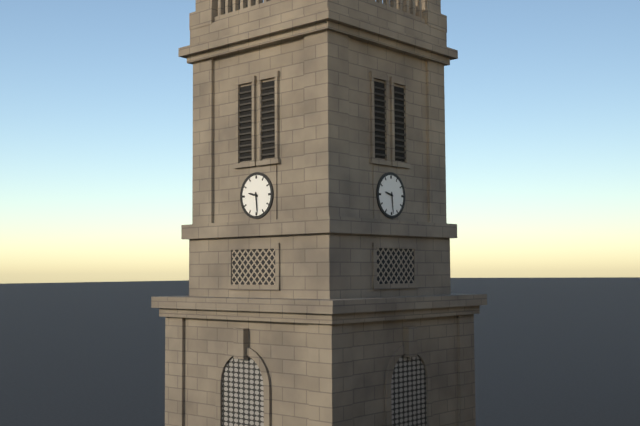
{"hour": 9, "minute": 29}
